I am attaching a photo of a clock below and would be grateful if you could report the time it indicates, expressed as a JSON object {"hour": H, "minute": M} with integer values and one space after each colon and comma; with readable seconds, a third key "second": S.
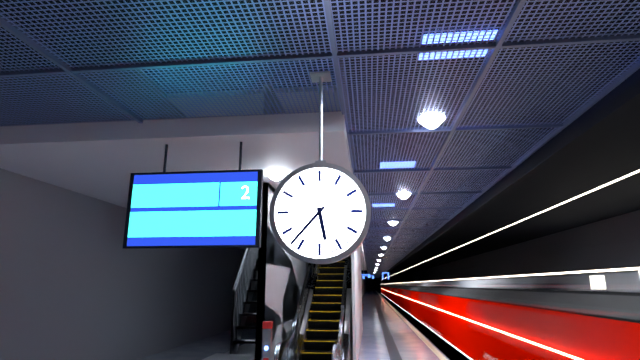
{"hour": 5, "minute": 37}
